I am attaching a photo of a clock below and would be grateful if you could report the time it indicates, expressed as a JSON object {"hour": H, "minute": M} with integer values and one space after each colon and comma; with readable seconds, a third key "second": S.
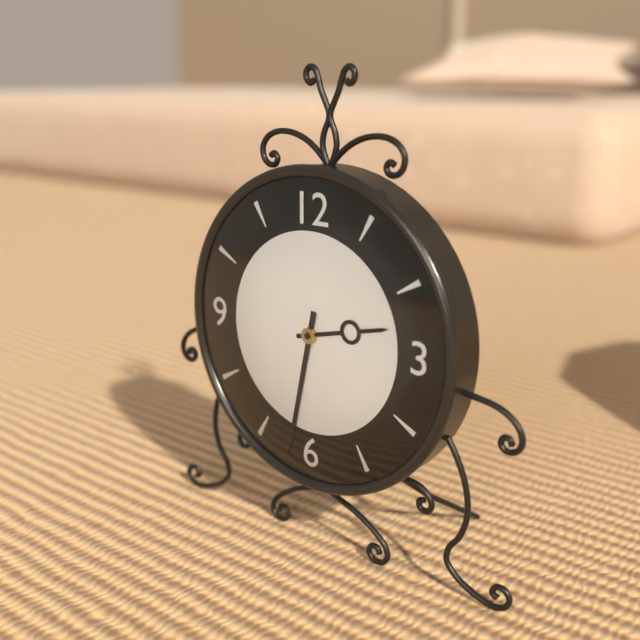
{"hour": 2, "minute": 32}
